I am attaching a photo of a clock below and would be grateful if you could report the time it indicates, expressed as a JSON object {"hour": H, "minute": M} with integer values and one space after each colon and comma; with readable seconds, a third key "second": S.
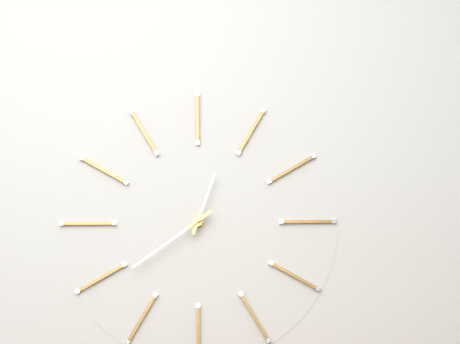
{"hour": 12, "minute": 39}
